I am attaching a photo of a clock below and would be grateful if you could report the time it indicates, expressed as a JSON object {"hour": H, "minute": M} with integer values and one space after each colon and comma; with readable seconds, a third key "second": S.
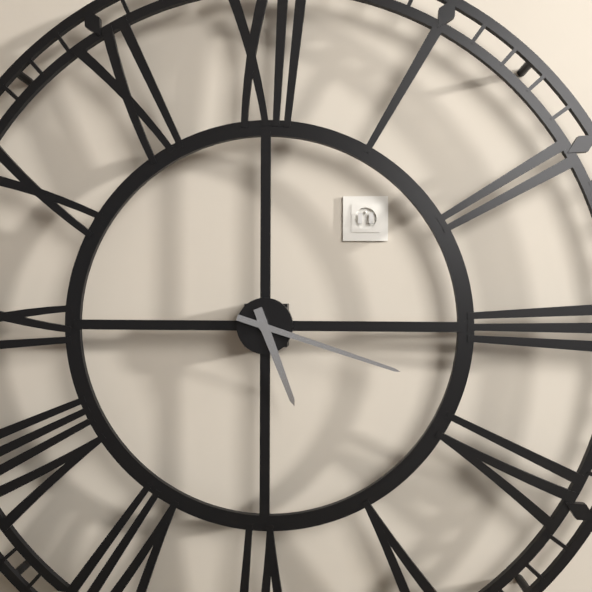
{"hour": 5, "minute": 18}
